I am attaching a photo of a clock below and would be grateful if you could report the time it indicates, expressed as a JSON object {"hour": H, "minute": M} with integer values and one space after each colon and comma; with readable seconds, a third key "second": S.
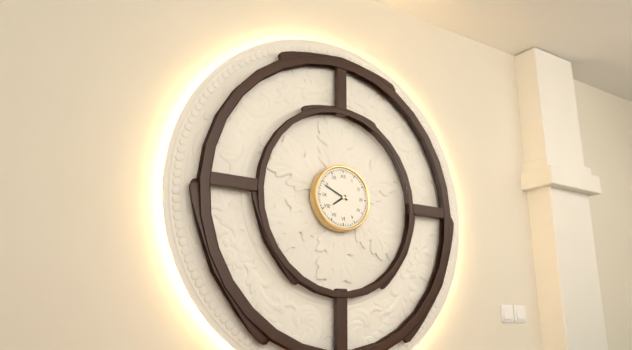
{"hour": 7, "minute": 49}
